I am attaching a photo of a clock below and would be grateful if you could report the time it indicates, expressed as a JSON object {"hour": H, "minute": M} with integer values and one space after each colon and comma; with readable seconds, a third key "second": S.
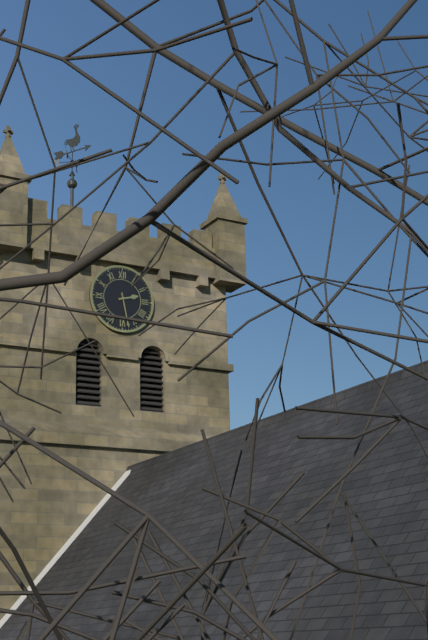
{"hour": 2, "minute": 28}
